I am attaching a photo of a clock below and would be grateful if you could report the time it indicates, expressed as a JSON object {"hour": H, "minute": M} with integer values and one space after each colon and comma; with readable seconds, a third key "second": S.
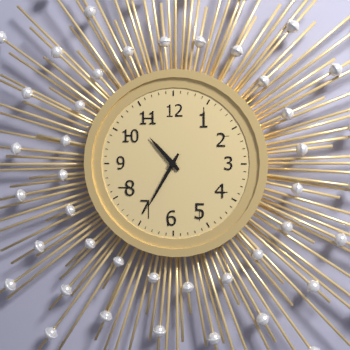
{"hour": 10, "minute": 35}
